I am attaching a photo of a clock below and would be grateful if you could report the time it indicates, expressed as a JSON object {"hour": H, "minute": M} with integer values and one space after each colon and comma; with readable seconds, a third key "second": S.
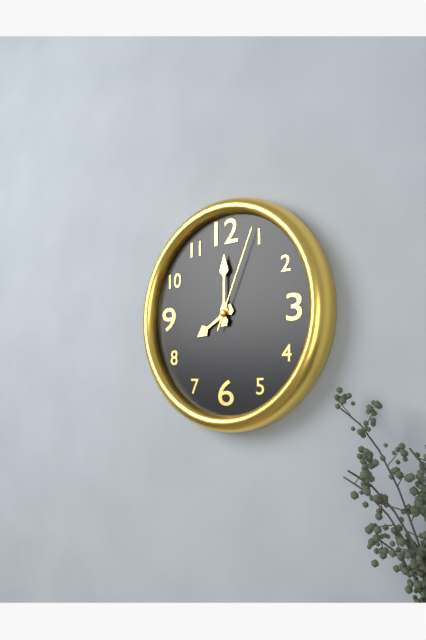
{"hour": 8, "minute": 0, "second": 4}
